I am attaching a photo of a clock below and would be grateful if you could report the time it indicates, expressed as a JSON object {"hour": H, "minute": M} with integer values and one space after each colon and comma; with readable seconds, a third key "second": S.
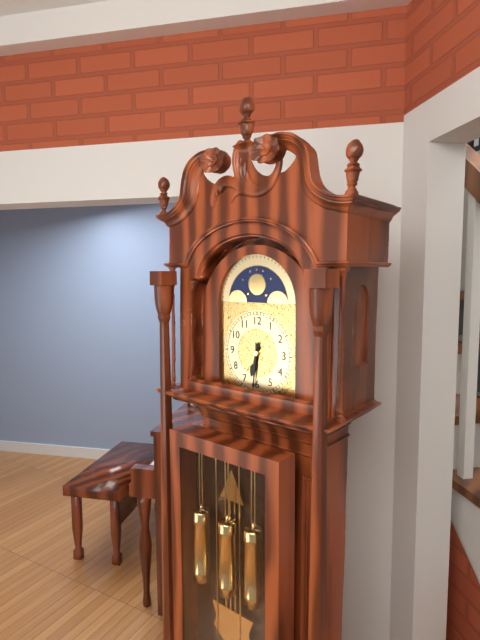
{"hour": 6, "minute": 31}
